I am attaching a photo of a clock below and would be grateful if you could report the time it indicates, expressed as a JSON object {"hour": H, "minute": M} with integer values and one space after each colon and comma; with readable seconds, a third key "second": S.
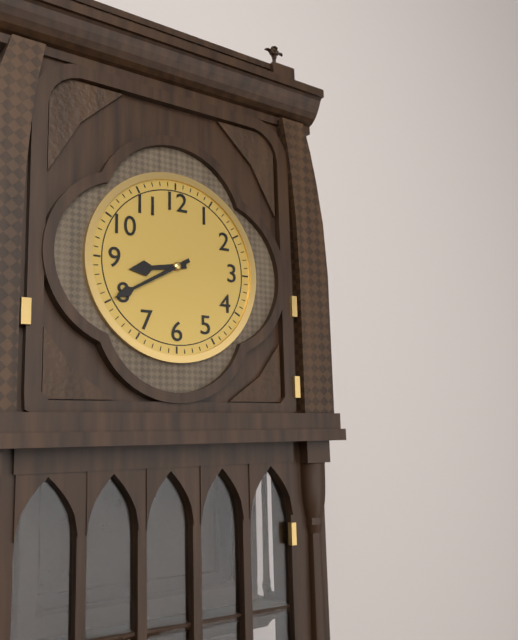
{"hour": 8, "minute": 40}
